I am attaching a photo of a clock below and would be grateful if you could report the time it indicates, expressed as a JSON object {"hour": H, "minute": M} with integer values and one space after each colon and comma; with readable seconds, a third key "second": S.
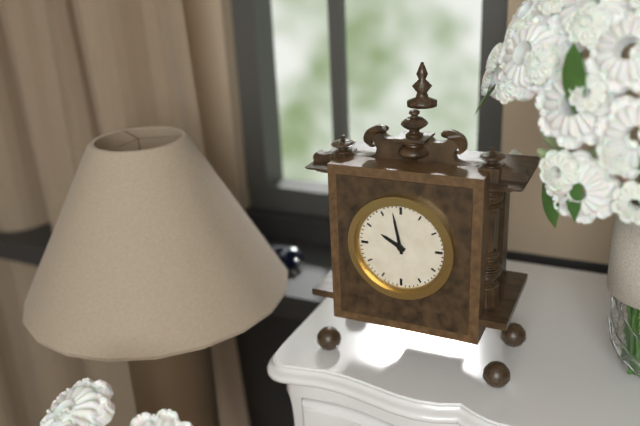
{"hour": 9, "minute": 58}
